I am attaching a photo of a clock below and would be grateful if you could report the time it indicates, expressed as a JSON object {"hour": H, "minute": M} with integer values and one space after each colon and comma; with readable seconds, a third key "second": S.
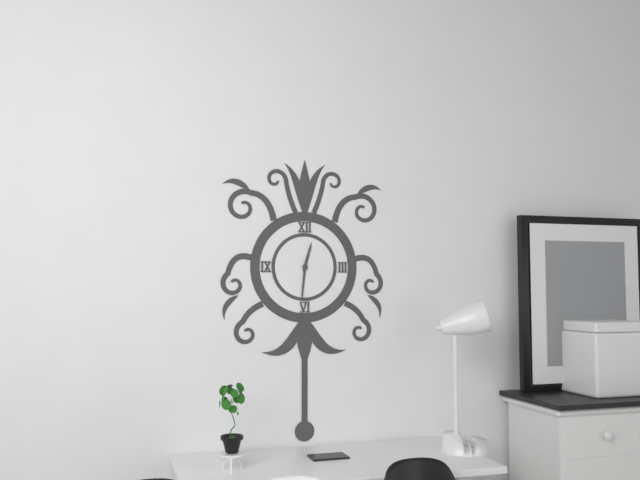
{"hour": 12, "minute": 31}
